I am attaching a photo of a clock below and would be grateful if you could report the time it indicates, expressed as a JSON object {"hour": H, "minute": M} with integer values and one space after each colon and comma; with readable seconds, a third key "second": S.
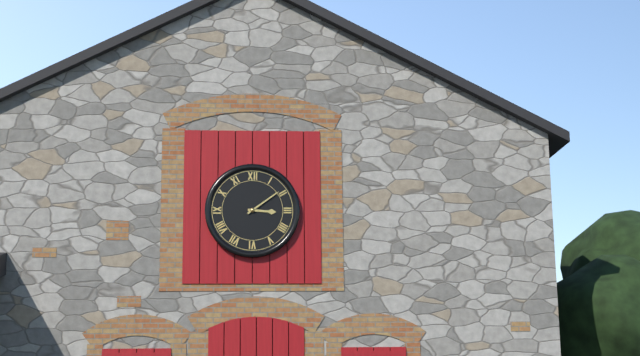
{"hour": 3, "minute": 9}
